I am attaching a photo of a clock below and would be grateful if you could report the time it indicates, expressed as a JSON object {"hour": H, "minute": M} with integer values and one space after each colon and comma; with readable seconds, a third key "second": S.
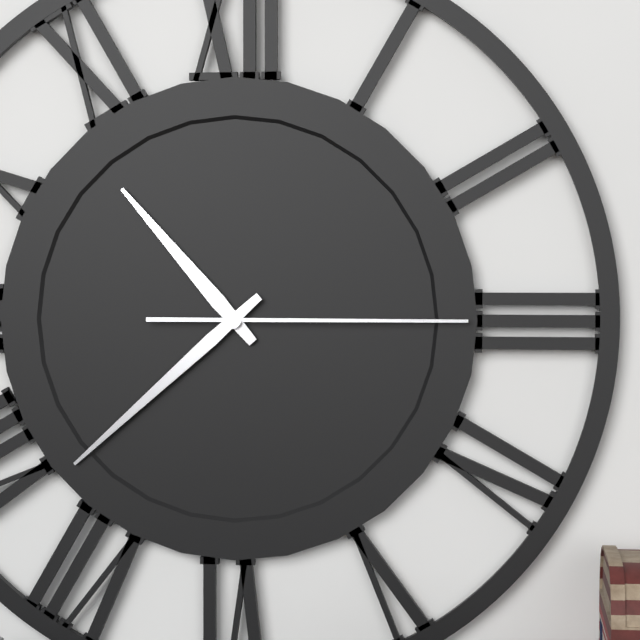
{"hour": 10, "minute": 38, "second": 15}
